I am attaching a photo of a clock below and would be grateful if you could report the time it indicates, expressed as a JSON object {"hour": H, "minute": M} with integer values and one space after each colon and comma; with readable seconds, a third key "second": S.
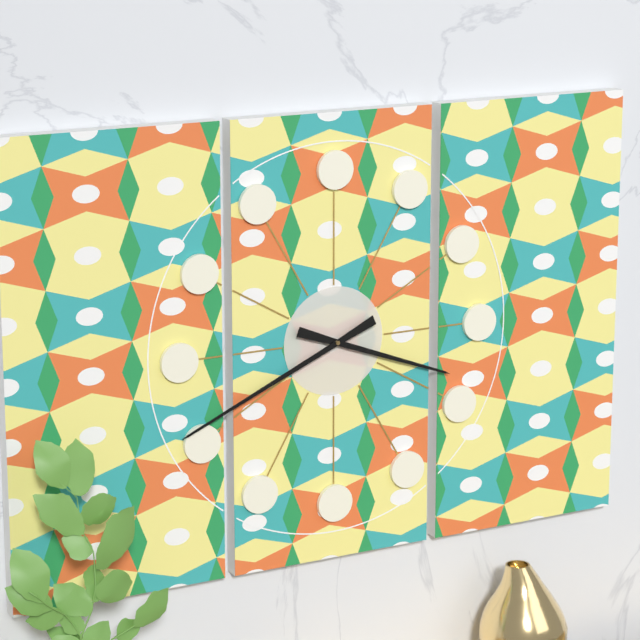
{"hour": 3, "minute": 41}
